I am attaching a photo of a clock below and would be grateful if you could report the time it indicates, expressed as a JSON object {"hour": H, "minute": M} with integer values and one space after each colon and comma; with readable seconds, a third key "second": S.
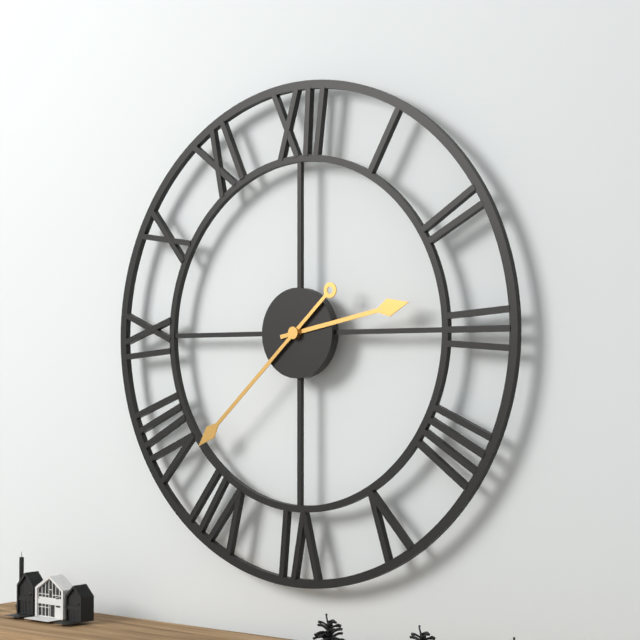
{"hour": 2, "minute": 38}
